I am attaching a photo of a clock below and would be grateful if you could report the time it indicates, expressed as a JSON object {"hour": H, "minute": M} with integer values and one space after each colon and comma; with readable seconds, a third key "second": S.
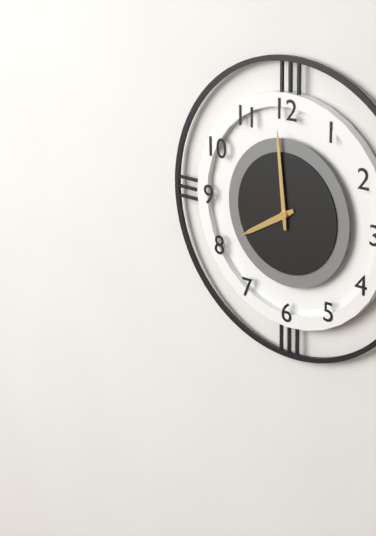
{"hour": 7, "minute": 59}
